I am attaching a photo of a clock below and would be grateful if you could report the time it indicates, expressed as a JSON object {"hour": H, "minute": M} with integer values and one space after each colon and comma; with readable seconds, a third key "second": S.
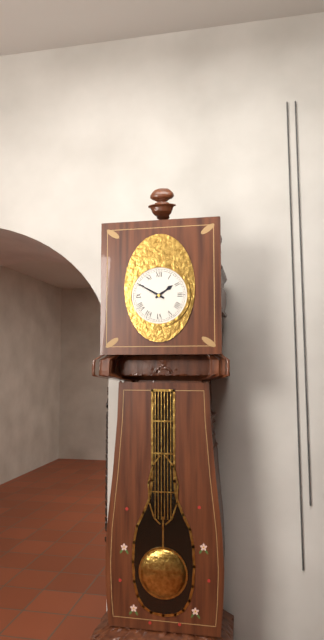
{"hour": 1, "minute": 50}
